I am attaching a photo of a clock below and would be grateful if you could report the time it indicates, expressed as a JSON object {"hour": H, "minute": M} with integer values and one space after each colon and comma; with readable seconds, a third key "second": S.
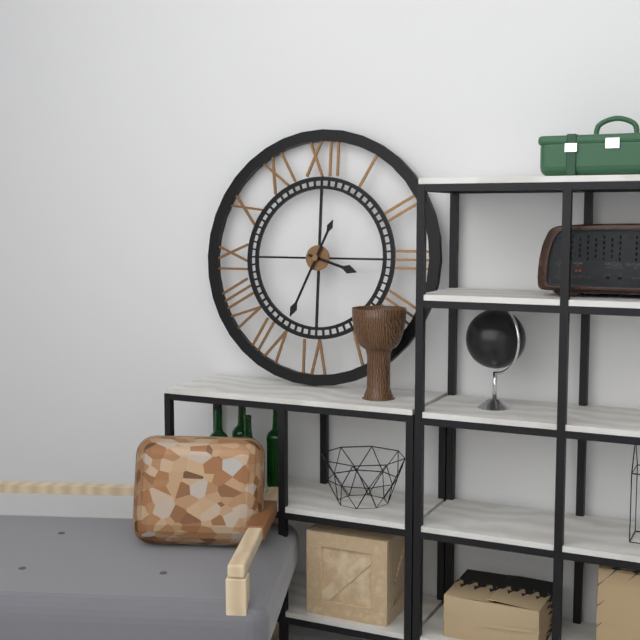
{"hour": 3, "minute": 34}
